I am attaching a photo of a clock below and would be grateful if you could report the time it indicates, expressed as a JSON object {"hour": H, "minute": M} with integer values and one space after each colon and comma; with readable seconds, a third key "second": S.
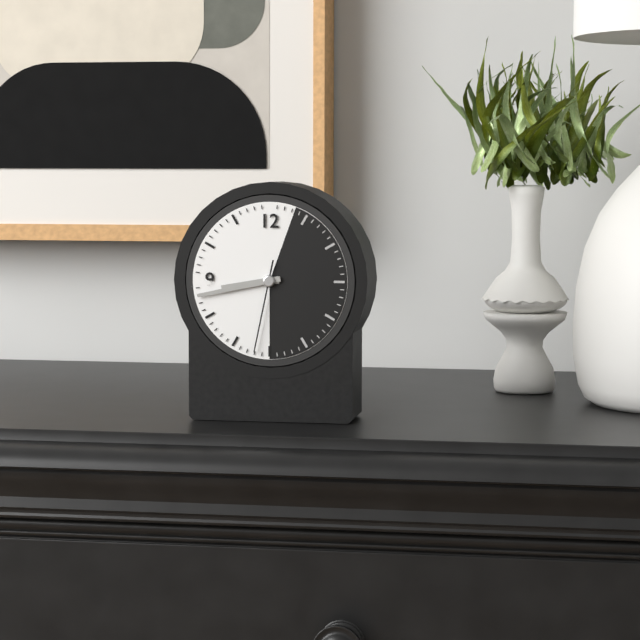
{"hour": 8, "minute": 43, "second": 32}
